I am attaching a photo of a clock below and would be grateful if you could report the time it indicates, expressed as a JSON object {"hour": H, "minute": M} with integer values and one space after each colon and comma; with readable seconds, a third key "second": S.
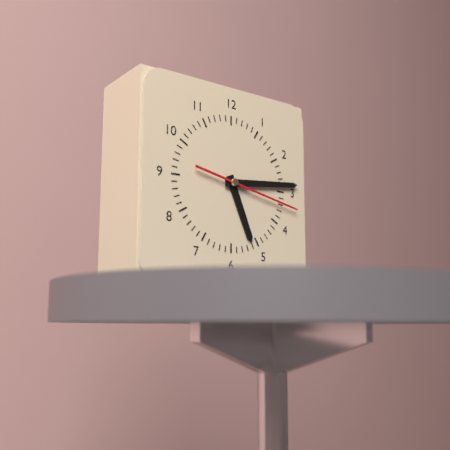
{"hour": 5, "minute": 14, "second": 17}
